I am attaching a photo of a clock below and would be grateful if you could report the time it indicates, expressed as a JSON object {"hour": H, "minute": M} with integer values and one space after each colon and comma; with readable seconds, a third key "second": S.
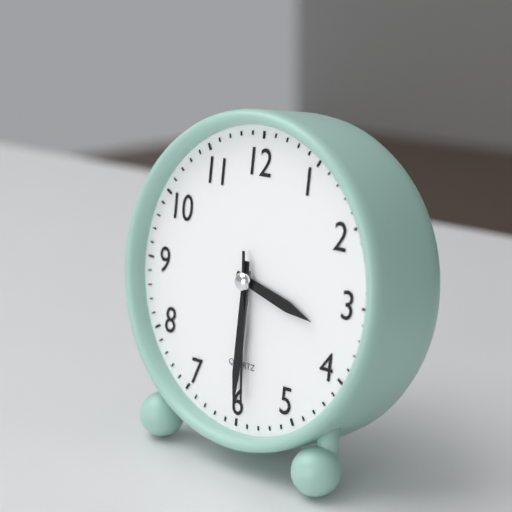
{"hour": 3, "minute": 30, "second": 29}
